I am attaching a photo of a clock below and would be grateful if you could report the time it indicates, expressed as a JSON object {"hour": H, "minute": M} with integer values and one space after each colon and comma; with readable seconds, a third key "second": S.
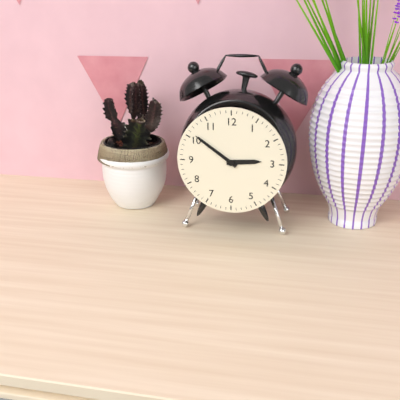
{"hour": 2, "minute": 51}
